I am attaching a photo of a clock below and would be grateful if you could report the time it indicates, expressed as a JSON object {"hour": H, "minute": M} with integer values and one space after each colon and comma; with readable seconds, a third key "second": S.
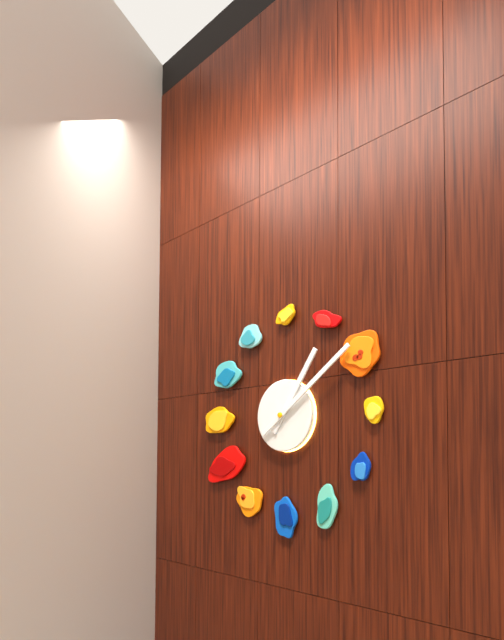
{"hour": 1, "minute": 9}
